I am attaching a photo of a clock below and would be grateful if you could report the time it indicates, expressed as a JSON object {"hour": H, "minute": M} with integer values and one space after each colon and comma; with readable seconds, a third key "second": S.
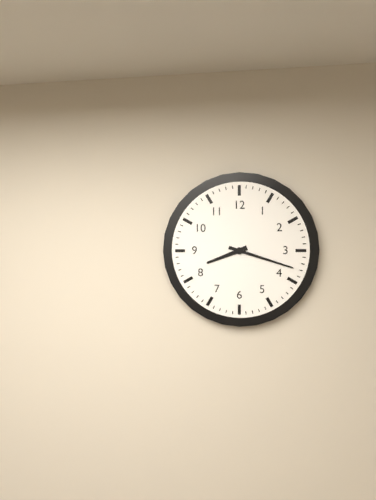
{"hour": 8, "minute": 18}
